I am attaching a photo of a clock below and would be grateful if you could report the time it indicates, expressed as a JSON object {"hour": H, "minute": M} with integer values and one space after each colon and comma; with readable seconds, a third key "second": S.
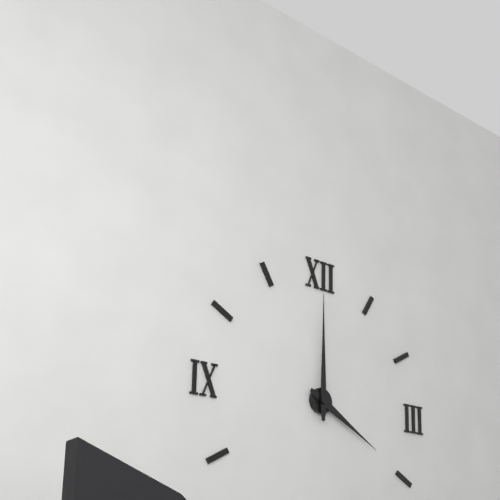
{"hour": 4, "minute": 0}
